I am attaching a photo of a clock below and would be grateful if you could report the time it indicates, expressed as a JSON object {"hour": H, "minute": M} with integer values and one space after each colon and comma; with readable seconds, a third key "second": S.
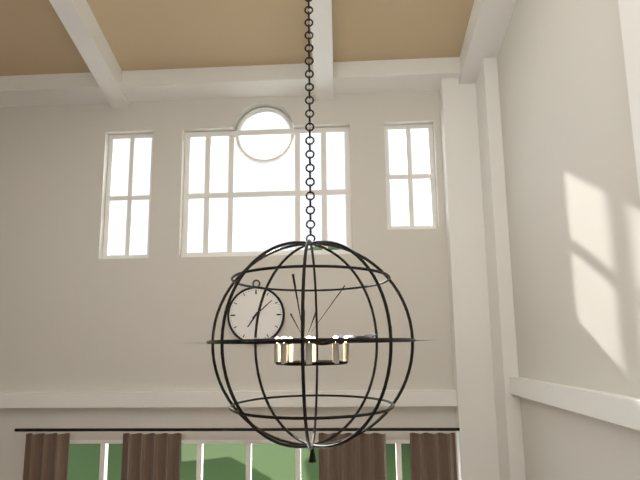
{"hour": 7, "minute": 8}
